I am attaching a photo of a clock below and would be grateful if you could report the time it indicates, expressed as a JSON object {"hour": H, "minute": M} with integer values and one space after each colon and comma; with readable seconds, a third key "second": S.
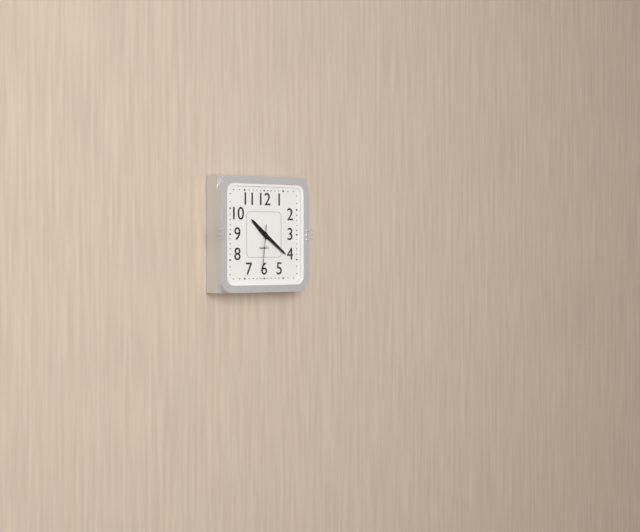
{"hour": 10, "minute": 21}
